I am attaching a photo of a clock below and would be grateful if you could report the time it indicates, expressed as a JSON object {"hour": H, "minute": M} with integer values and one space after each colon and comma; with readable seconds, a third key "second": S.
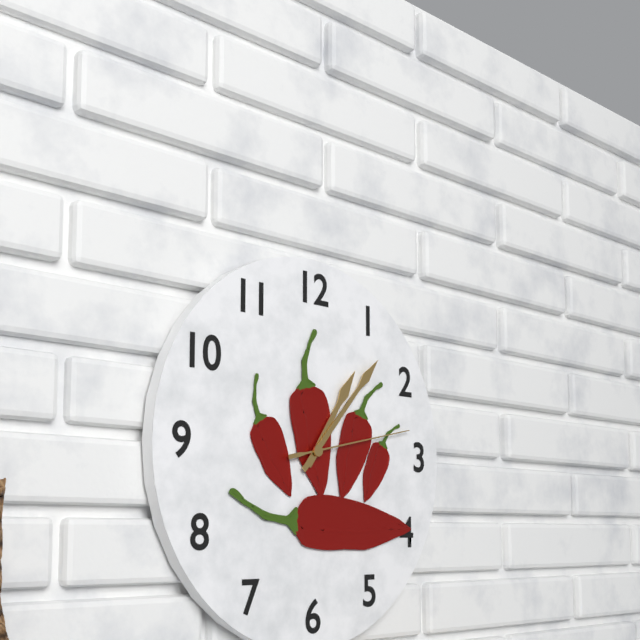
{"hour": 1, "minute": 7, "second": 13}
